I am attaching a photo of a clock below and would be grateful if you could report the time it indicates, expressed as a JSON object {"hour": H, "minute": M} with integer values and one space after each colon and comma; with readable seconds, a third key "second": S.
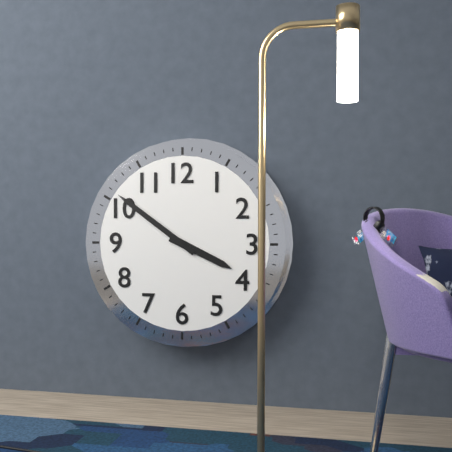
{"hour": 3, "minute": 51}
